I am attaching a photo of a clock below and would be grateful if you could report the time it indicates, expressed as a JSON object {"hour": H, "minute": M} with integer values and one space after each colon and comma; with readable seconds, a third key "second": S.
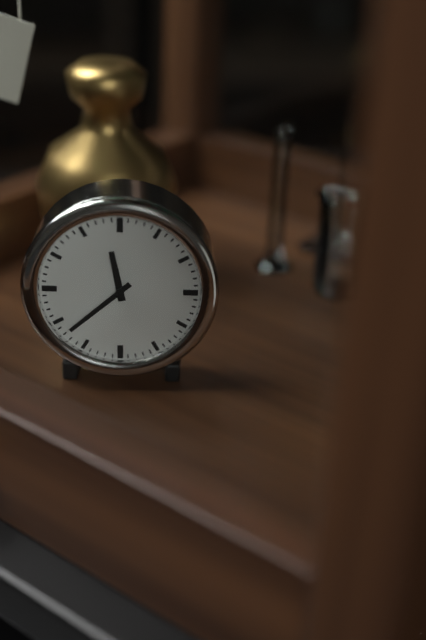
{"hour": 11, "minute": 38}
